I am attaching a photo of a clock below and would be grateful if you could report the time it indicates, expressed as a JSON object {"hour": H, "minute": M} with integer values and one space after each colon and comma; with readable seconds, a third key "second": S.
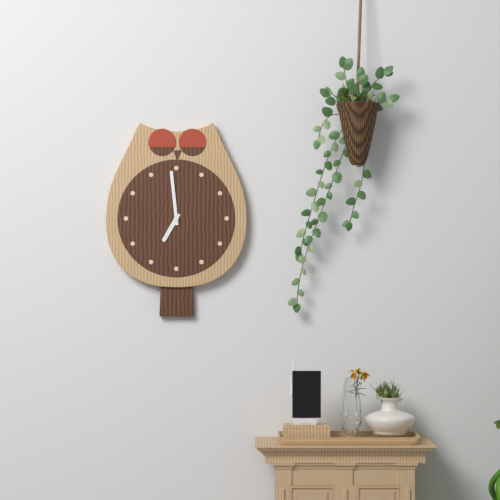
{"hour": 6, "minute": 59}
